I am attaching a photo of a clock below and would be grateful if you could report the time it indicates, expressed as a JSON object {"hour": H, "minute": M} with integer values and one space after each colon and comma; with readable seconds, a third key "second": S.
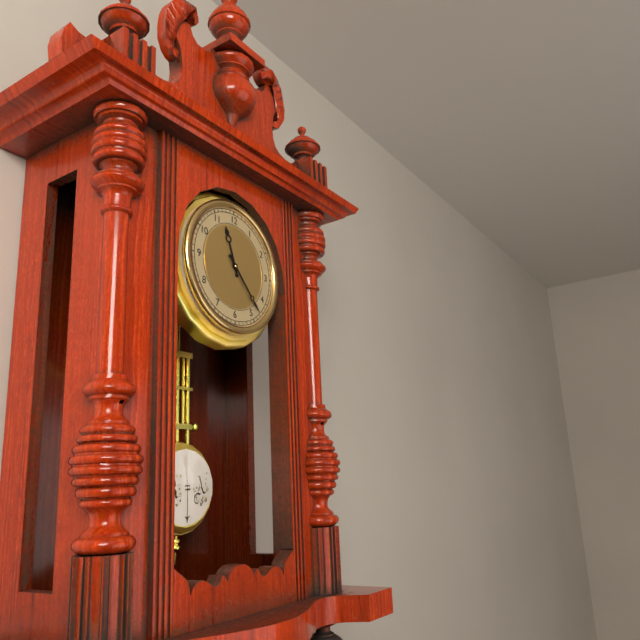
{"hour": 11, "minute": 23}
